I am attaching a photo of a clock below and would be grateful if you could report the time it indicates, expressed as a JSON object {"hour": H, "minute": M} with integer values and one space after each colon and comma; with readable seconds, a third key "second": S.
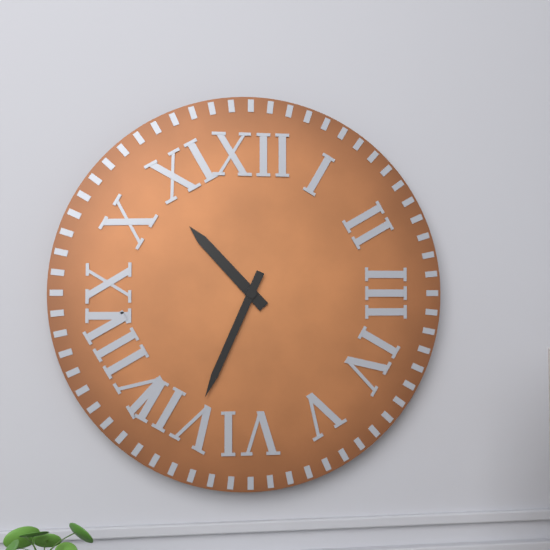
{"hour": 10, "minute": 34}
